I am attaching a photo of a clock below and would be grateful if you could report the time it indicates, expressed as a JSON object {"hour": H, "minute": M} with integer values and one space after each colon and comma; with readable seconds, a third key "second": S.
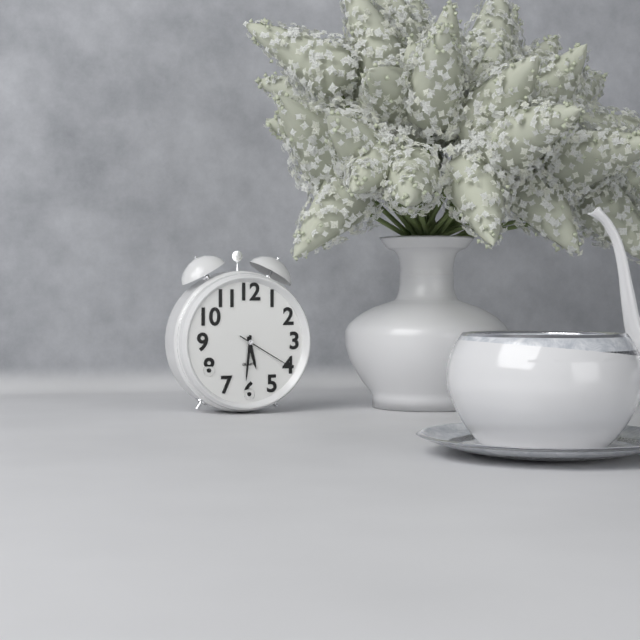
{"hour": 5, "minute": 31, "second": 20}
